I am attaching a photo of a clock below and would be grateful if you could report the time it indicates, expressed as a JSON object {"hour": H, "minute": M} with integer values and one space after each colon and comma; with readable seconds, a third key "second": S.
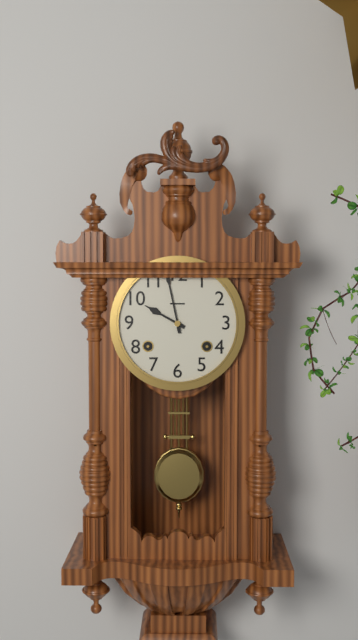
{"hour": 9, "minute": 58}
